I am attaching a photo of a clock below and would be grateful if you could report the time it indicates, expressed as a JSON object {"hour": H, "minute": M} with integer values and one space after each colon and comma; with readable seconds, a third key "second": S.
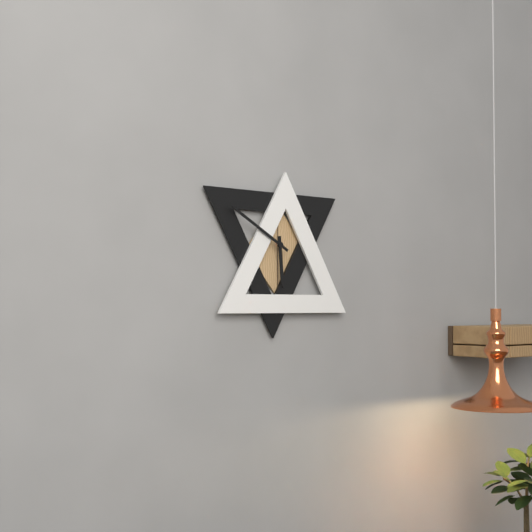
{"hour": 5, "minute": 50}
